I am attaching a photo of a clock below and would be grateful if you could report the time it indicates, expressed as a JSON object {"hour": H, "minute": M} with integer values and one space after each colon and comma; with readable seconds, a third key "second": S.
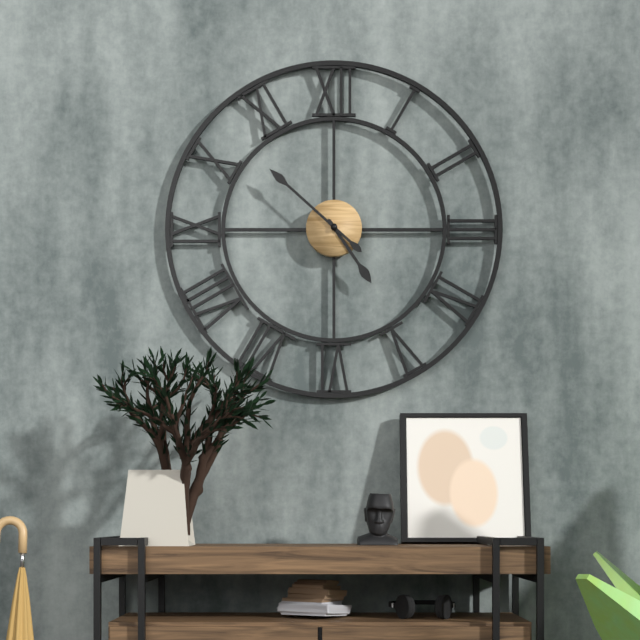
{"hour": 4, "minute": 52}
